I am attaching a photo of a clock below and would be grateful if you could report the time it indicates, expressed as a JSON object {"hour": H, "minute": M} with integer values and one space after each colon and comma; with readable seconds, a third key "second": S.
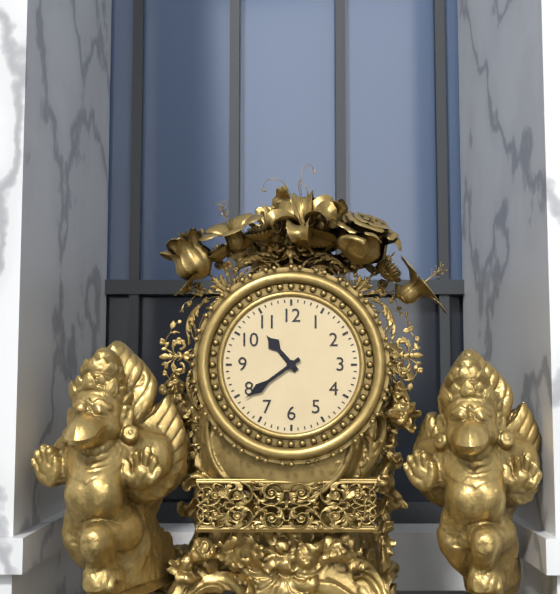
{"hour": 10, "minute": 39}
